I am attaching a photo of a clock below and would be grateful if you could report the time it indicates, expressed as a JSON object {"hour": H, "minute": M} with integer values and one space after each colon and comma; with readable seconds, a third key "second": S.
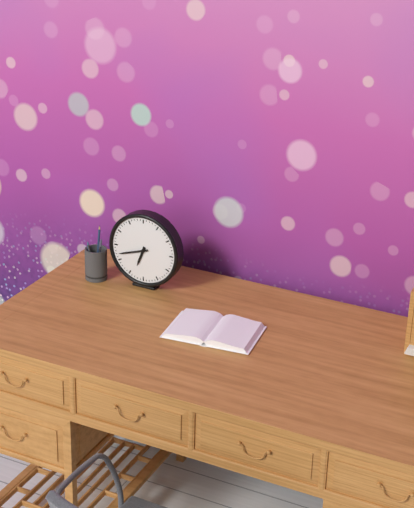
{"hour": 6, "minute": 42}
